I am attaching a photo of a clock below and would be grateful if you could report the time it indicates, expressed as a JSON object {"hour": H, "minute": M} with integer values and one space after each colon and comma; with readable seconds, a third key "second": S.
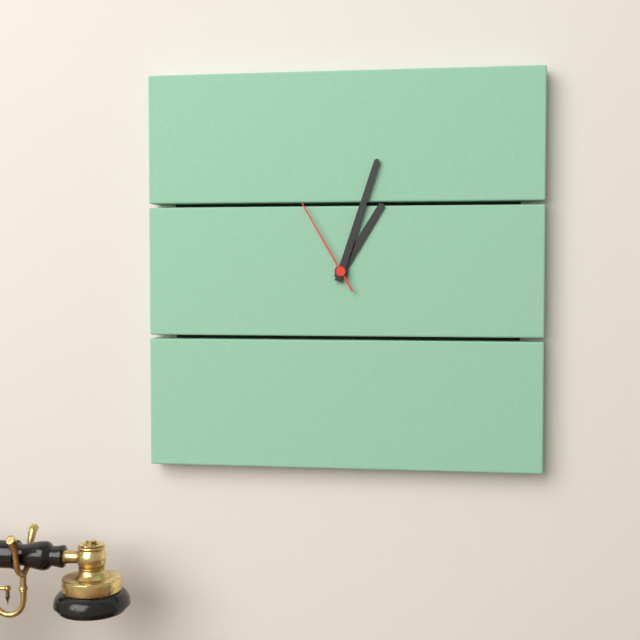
{"hour": 1, "minute": 3, "second": 55}
